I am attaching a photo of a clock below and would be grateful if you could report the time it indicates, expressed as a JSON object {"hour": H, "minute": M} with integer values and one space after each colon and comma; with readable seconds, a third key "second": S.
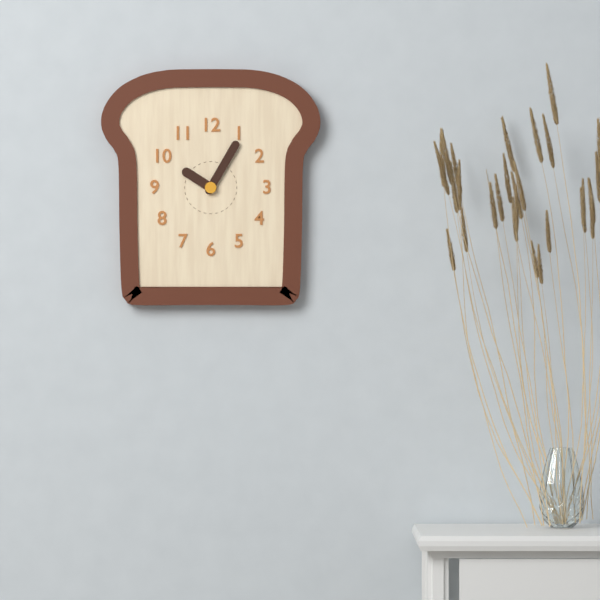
{"hour": 10, "minute": 5}
